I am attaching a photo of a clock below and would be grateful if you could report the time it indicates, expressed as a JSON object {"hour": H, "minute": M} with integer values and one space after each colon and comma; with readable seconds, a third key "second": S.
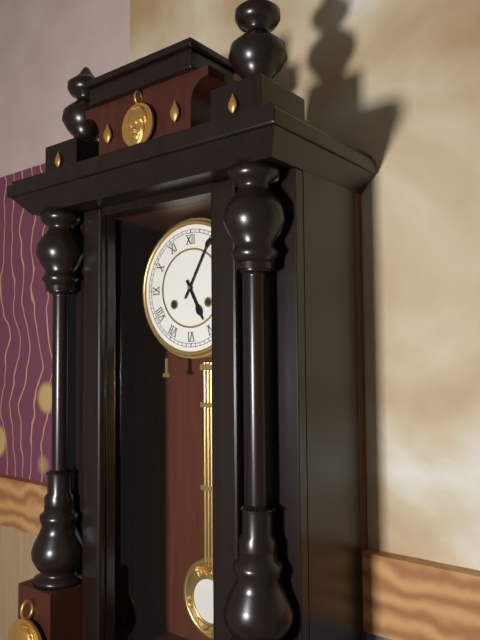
{"hour": 5, "minute": 5}
